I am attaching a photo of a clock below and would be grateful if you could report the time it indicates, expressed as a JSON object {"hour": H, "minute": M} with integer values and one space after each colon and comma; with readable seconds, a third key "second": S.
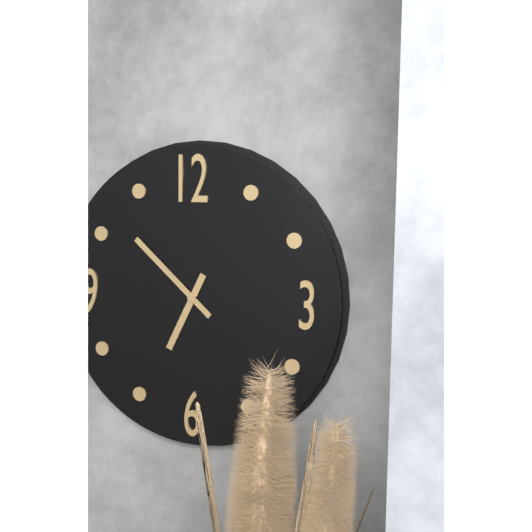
{"hour": 6, "minute": 52}
